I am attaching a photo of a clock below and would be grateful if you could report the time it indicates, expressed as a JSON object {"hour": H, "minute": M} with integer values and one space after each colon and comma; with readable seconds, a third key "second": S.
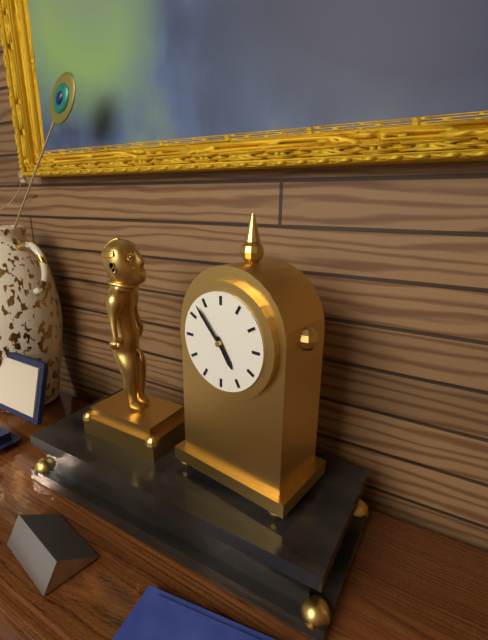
{"hour": 4, "minute": 53}
